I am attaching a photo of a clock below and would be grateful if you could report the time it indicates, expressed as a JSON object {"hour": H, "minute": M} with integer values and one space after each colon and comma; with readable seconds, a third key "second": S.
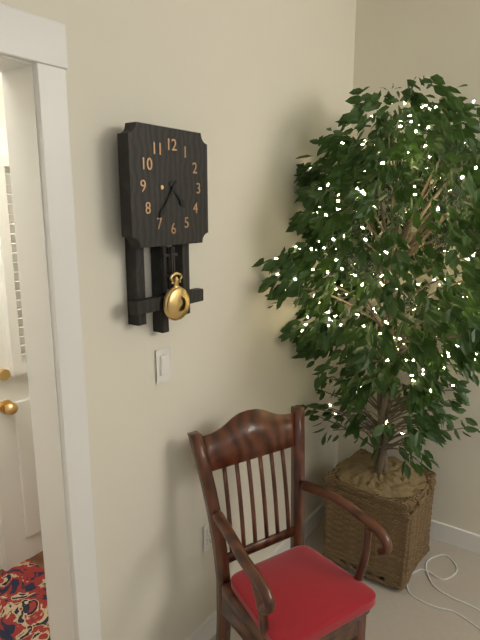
{"hour": 4, "minute": 36}
